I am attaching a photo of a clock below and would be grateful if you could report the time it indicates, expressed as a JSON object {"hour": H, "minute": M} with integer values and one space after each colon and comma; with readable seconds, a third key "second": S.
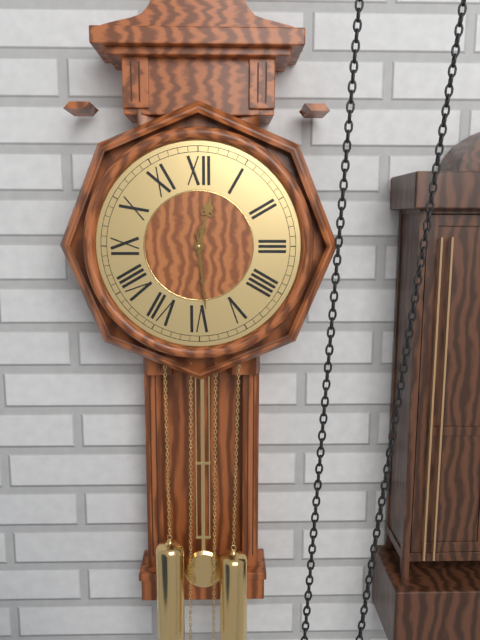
{"hour": 12, "minute": 29}
